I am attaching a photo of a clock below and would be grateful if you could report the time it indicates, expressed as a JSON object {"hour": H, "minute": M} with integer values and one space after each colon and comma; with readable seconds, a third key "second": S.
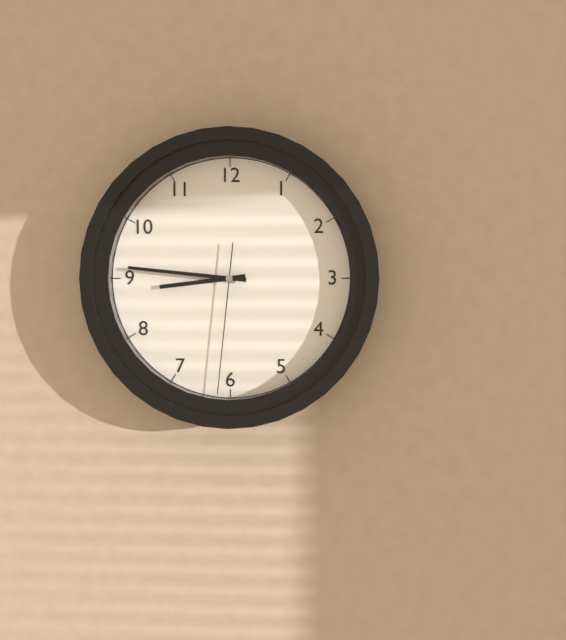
{"hour": 8, "minute": 46, "second": 31}
